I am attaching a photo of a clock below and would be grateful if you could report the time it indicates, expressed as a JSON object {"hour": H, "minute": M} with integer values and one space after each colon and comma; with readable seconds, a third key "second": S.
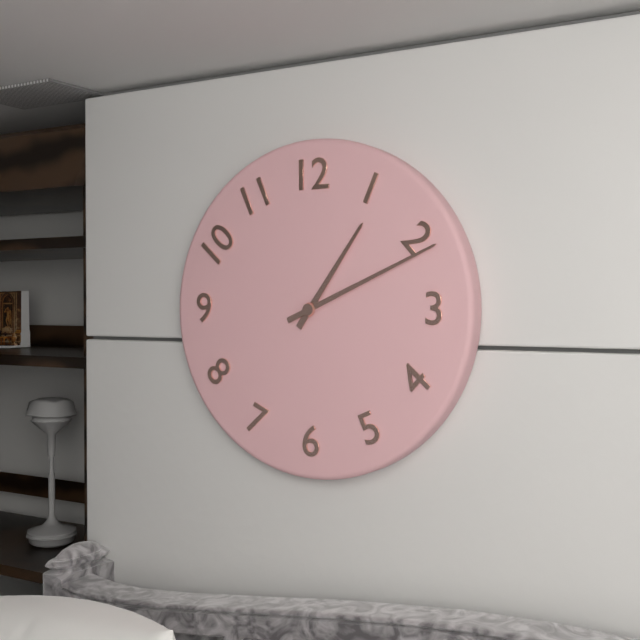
{"hour": 1, "minute": 11}
